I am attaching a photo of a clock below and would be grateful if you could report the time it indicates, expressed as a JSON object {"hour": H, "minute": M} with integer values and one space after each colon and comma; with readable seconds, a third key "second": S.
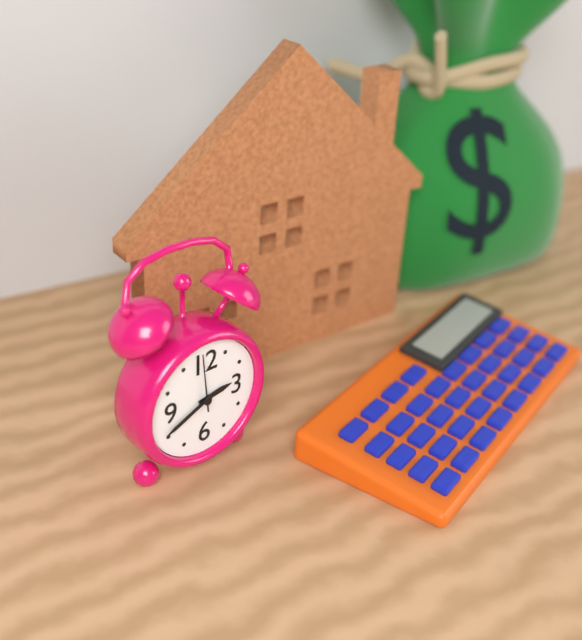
{"hour": 2, "minute": 41, "second": 59}
